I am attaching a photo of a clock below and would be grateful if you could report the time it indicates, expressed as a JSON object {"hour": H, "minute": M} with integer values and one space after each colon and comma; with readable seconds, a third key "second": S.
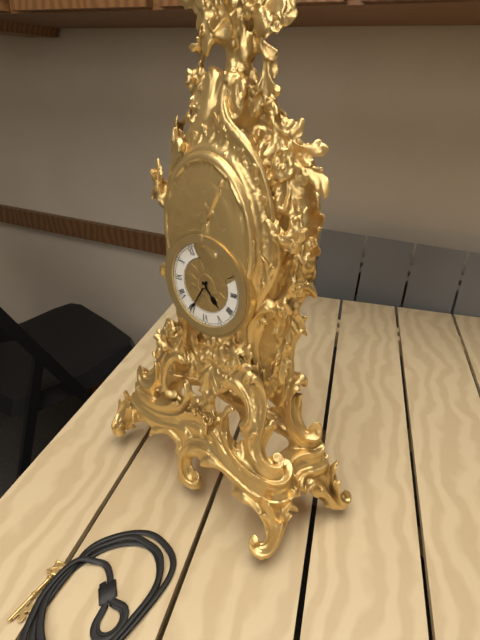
{"hour": 4, "minute": 35}
